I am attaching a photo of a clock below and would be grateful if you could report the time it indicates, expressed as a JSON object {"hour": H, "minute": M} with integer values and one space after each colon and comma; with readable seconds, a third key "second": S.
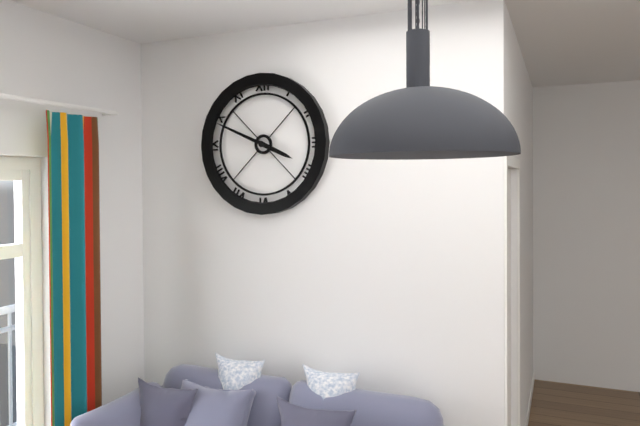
{"hour": 3, "minute": 49}
